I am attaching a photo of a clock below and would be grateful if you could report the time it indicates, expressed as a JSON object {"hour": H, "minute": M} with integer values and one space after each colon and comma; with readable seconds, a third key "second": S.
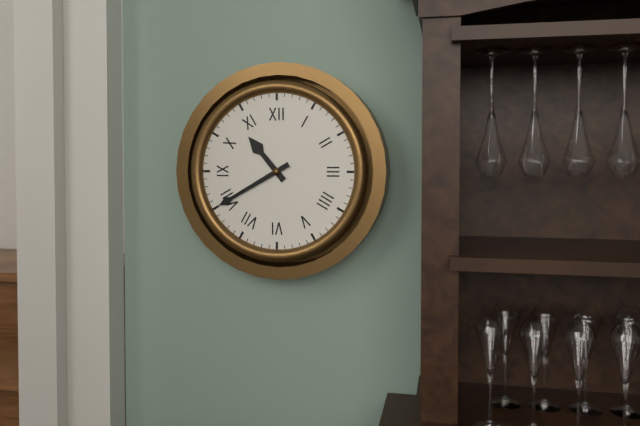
{"hour": 10, "minute": 40}
